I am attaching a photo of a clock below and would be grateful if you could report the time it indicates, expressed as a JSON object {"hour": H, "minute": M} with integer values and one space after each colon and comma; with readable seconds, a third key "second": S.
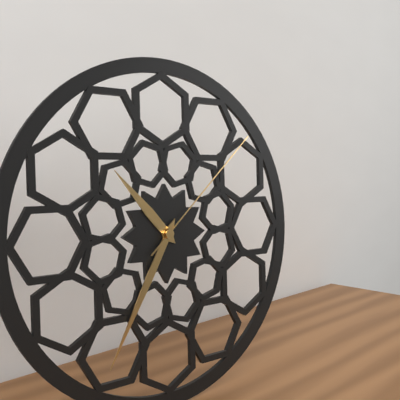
{"hour": 10, "minute": 35, "second": 8}
